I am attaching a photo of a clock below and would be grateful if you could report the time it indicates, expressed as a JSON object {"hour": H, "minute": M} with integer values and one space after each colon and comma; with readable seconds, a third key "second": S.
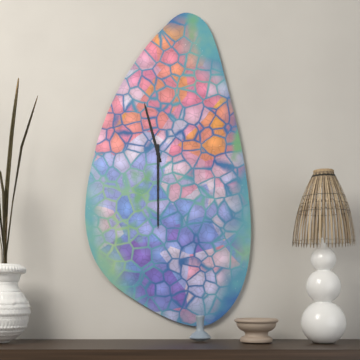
{"hour": 11, "minute": 30}
